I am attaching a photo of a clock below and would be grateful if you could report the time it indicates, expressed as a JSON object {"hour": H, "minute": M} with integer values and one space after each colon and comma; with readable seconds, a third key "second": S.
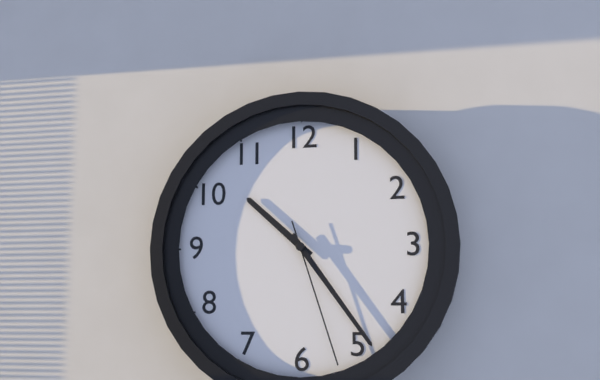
{"hour": 10, "minute": 24, "second": 27}
